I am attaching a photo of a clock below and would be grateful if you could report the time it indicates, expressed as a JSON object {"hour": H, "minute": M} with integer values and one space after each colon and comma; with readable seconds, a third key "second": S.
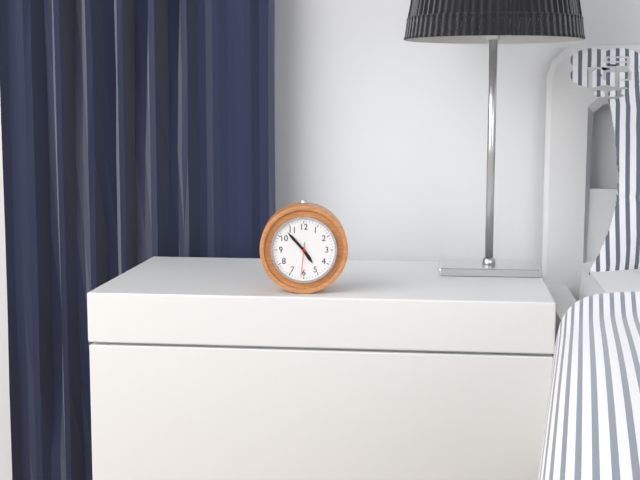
{"hour": 4, "minute": 53}
